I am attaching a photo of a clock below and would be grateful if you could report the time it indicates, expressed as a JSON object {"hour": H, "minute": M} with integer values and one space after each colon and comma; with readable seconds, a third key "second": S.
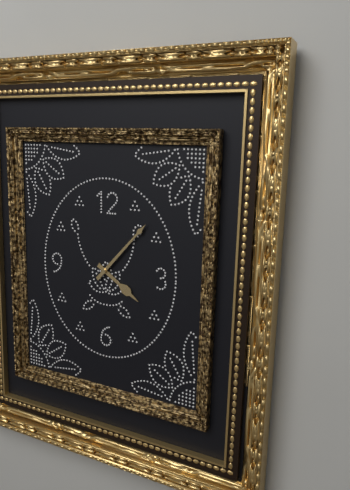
{"hour": 4, "minute": 7}
